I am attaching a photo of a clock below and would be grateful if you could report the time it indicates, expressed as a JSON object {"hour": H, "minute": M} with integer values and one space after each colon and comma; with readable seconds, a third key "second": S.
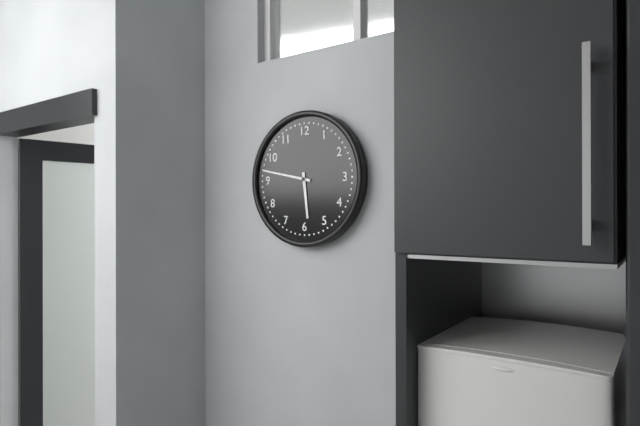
{"hour": 5, "minute": 47}
